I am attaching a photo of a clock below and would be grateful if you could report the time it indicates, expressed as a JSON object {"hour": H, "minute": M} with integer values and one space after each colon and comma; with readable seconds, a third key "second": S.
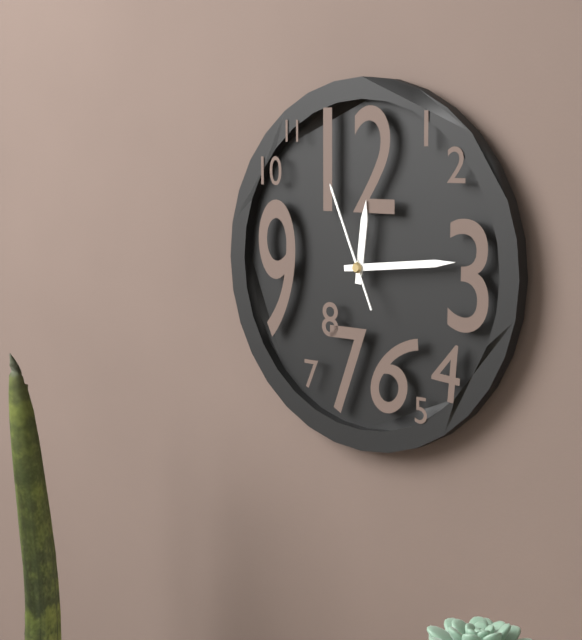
{"hour": 12, "minute": 14, "second": 56}
